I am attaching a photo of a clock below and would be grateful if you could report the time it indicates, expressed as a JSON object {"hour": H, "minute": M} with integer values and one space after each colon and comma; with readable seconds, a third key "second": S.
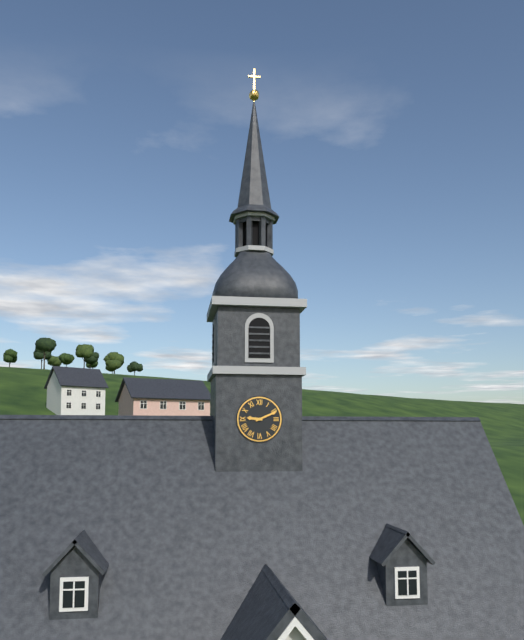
{"hour": 9, "minute": 11}
